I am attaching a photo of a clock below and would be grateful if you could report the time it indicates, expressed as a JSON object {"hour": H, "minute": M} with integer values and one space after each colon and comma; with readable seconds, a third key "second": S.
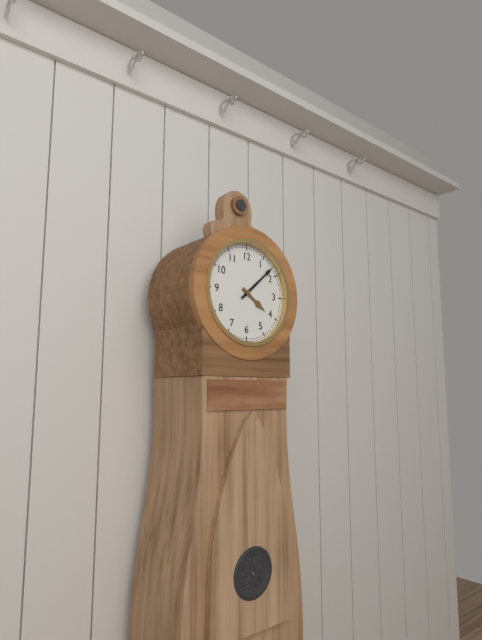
{"hour": 4, "minute": 8}
